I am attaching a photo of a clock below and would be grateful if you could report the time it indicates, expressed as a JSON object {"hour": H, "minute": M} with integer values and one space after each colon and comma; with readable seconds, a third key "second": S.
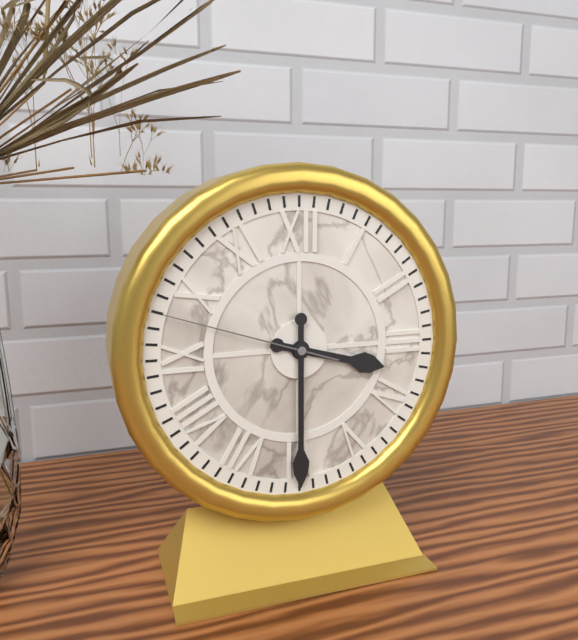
{"hour": 3, "minute": 30, "second": 48}
